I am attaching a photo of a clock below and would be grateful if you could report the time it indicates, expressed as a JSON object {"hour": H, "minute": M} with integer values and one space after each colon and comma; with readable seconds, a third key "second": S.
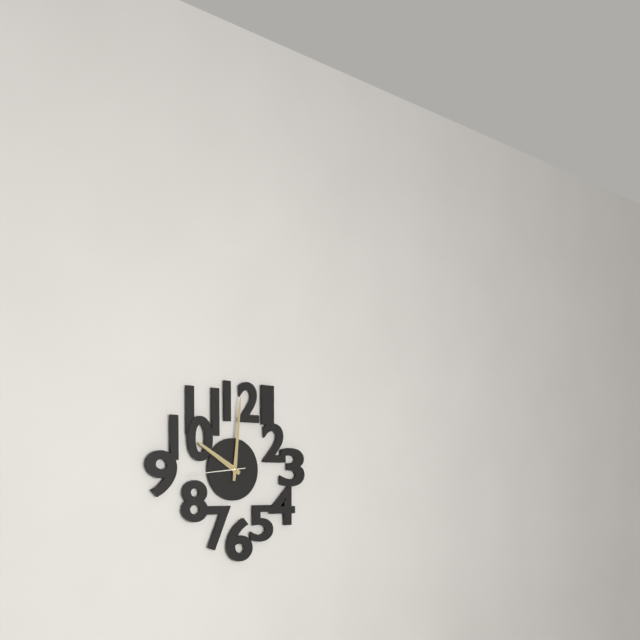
{"hour": 10, "minute": 1, "second": 44}
